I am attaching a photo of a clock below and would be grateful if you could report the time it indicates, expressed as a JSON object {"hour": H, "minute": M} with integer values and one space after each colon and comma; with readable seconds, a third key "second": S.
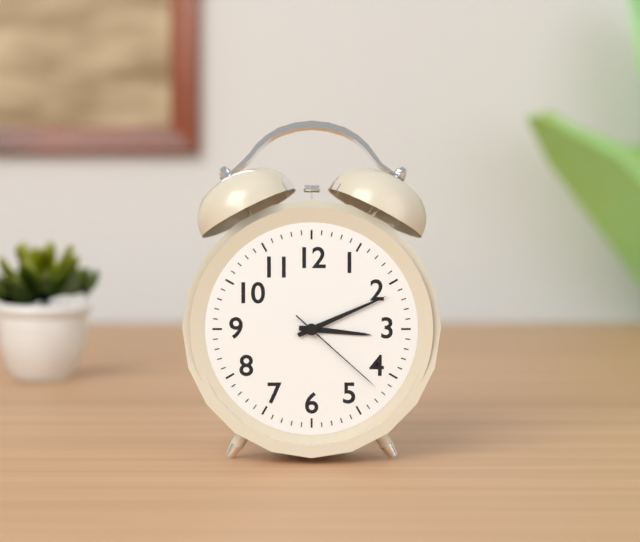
{"hour": 3, "minute": 11, "second": 22}
